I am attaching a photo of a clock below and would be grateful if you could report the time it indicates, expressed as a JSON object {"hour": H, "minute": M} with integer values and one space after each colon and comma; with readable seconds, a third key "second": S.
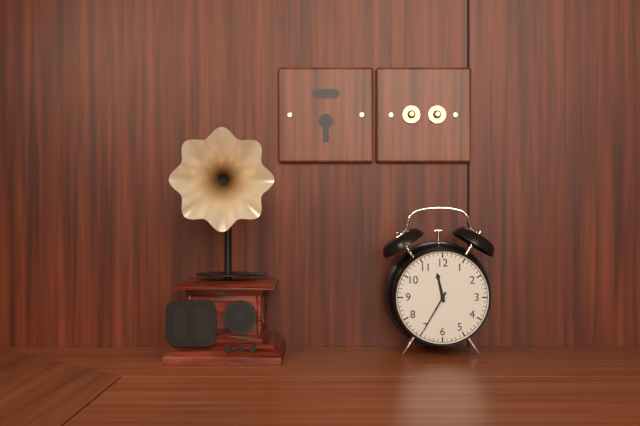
{"hour": 11, "minute": 35}
